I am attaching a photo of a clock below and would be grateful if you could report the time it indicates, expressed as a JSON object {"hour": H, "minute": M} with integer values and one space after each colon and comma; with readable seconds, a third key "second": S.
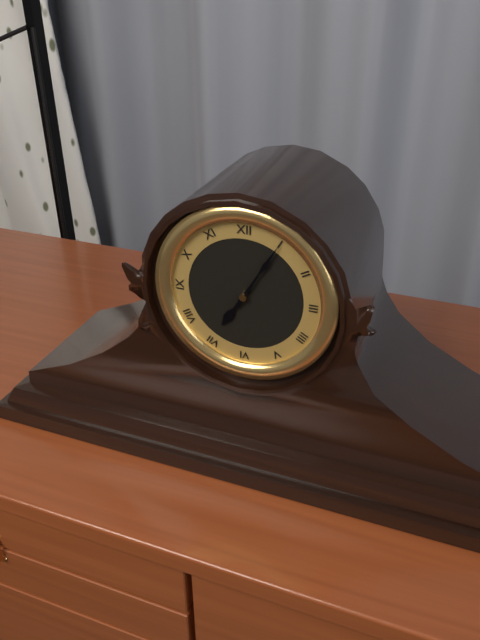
{"hour": 7, "minute": 5}
